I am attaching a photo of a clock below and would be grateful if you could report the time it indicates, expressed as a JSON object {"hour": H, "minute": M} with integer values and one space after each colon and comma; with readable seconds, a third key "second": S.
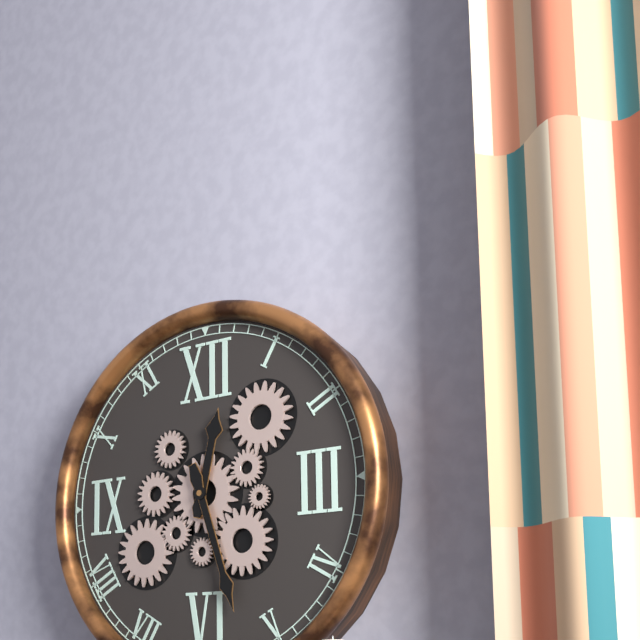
{"hour": 12, "minute": 27}
